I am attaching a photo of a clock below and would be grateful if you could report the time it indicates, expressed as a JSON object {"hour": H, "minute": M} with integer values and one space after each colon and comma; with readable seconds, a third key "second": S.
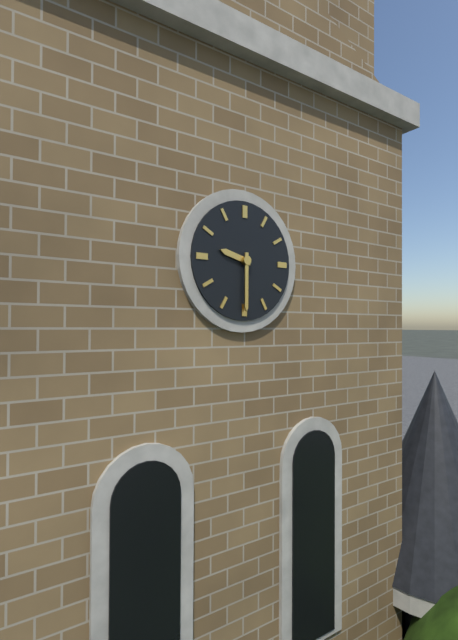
{"hour": 9, "minute": 30}
